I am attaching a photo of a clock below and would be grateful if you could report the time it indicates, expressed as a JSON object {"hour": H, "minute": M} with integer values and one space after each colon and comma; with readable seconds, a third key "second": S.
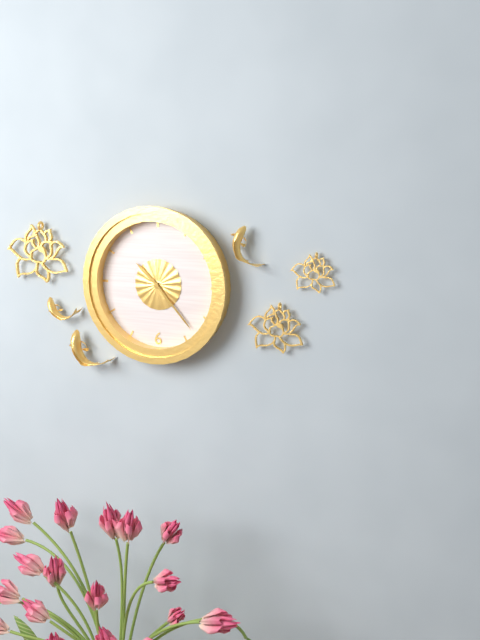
{"hour": 10, "minute": 23}
